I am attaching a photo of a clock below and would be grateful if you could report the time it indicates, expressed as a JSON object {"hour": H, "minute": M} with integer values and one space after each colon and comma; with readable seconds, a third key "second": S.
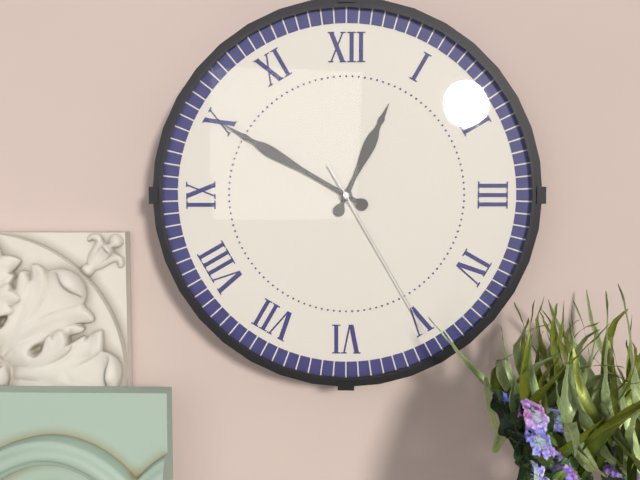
{"hour": 12, "minute": 50, "second": 25}
